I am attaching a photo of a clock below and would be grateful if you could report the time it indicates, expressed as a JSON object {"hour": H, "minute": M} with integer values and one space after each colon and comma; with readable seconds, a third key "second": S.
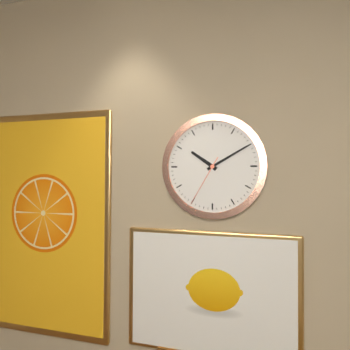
{"hour": 10, "minute": 10, "second": 35}
